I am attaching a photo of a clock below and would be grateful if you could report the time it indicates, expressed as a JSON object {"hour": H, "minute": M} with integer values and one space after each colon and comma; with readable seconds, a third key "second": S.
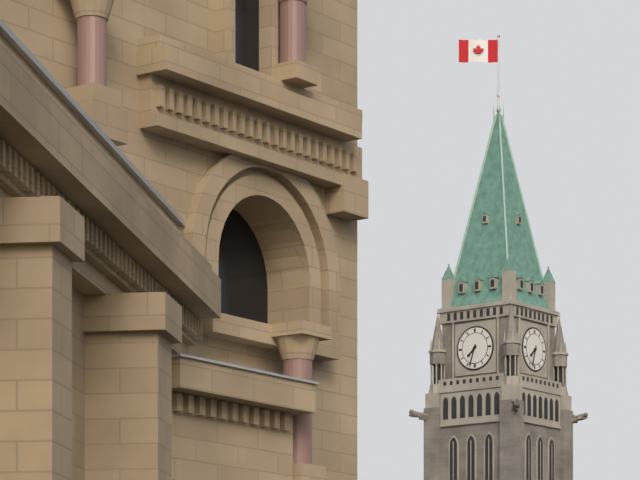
{"hour": 7, "minute": 33}
